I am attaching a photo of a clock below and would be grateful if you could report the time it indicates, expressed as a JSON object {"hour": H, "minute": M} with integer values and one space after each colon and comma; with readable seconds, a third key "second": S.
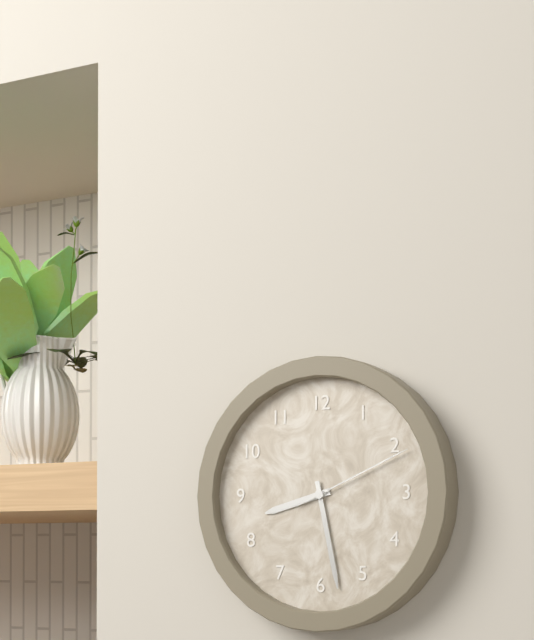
{"hour": 8, "minute": 28, "second": 11}
